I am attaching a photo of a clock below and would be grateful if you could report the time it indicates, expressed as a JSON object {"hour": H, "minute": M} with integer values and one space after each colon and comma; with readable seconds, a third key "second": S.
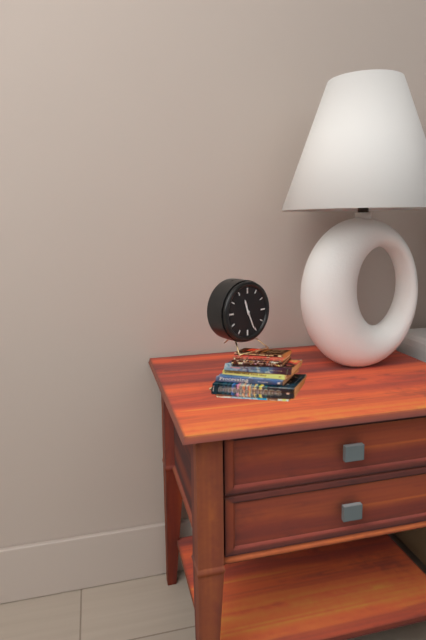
{"hour": 11, "minute": 26}
